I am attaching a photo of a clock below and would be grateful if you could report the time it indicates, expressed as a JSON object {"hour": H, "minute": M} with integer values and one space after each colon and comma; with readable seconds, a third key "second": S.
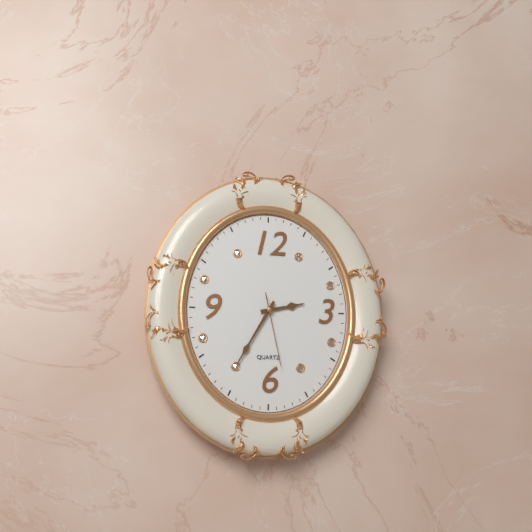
{"hour": 2, "minute": 35, "second": 28}
